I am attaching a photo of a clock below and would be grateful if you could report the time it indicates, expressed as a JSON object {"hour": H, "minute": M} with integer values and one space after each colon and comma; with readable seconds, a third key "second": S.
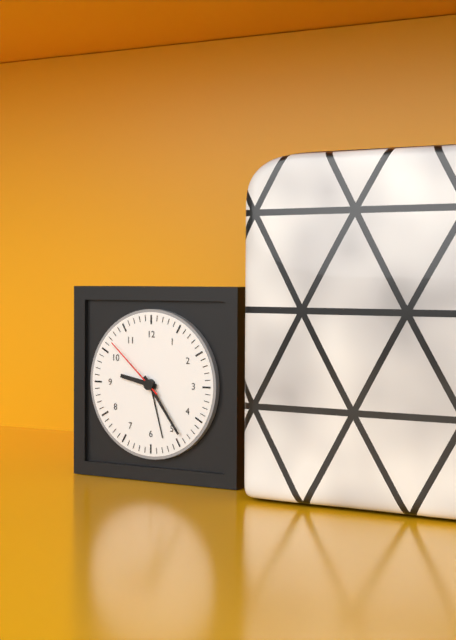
{"hour": 9, "minute": 24, "second": 52}
